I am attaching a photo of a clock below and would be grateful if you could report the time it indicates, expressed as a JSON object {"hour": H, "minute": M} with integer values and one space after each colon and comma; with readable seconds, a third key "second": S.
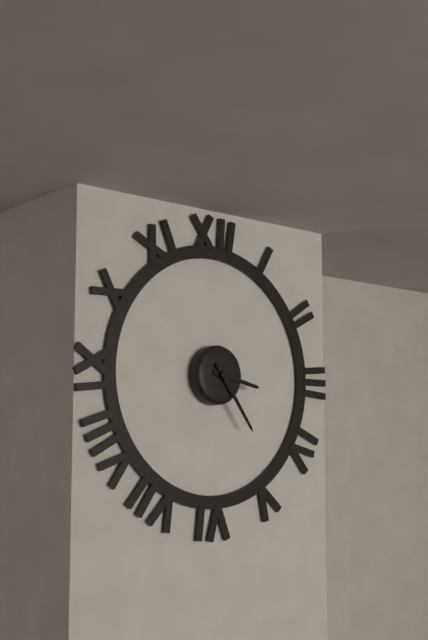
{"hour": 3, "minute": 24}
